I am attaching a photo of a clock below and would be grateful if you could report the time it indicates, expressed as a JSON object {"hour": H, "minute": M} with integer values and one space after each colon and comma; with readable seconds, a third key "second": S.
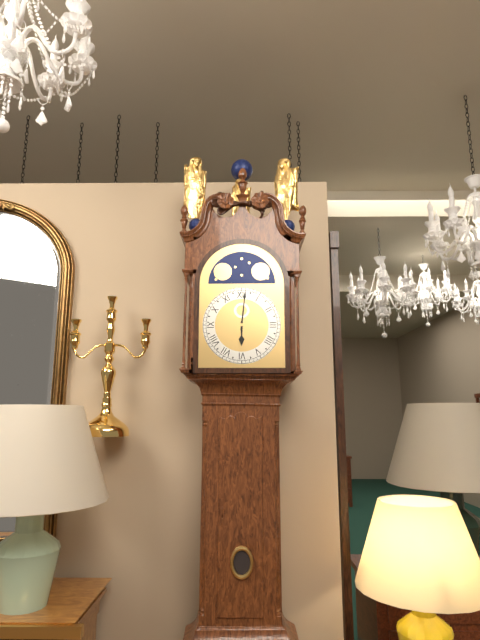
{"hour": 6, "minute": 1}
